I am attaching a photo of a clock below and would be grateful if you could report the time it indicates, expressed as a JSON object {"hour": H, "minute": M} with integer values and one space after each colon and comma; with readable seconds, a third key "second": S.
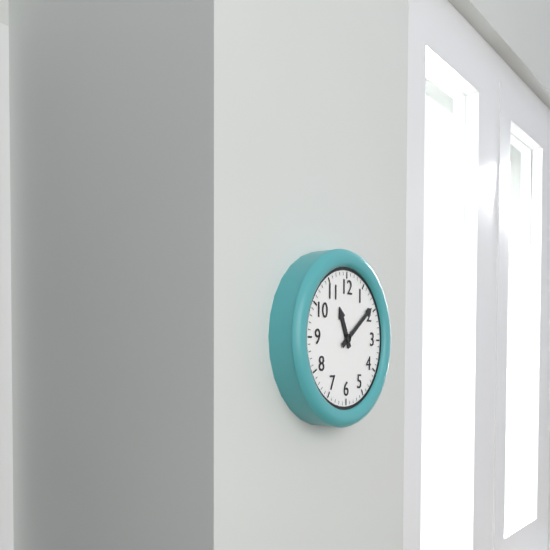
{"hour": 11, "minute": 9}
